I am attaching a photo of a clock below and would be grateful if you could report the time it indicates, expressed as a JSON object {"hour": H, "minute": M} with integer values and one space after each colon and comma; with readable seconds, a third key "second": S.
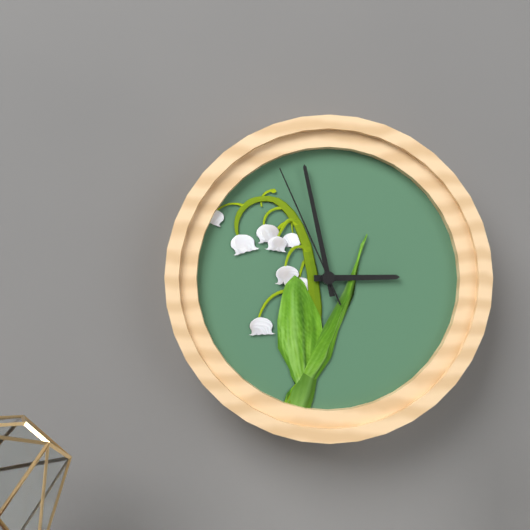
{"hour": 2, "minute": 58, "second": 56}
